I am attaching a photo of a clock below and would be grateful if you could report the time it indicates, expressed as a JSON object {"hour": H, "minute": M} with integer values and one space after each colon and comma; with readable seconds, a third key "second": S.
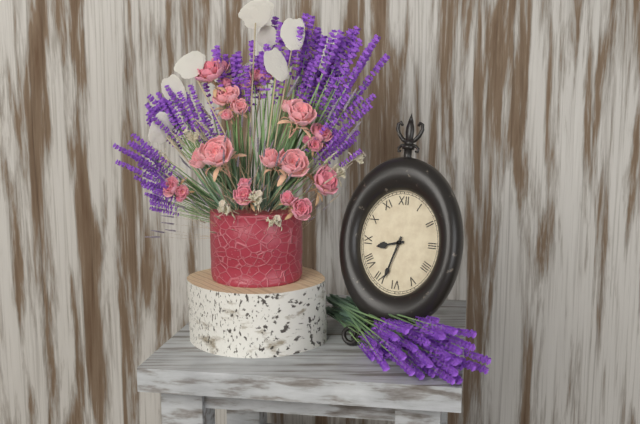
{"hour": 8, "minute": 33}
